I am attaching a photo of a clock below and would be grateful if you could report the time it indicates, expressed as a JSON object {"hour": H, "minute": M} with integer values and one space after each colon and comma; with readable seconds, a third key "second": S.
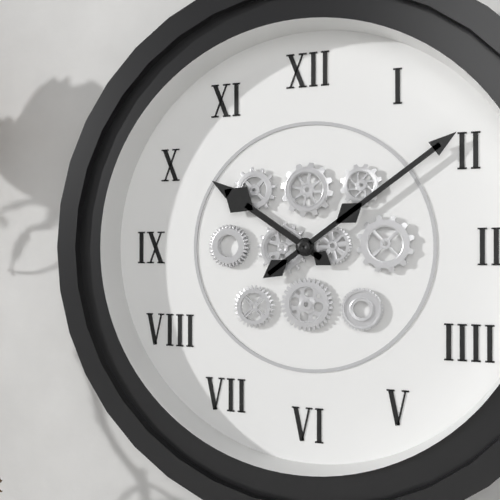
{"hour": 10, "minute": 9}
